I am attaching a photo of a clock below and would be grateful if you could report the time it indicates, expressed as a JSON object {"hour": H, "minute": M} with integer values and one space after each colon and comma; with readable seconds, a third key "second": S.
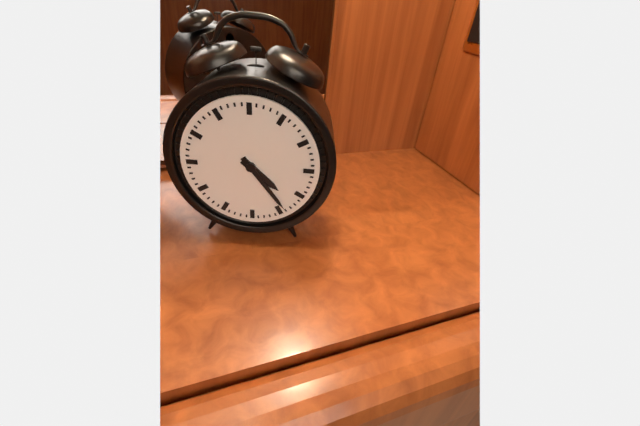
{"hour": 4, "minute": 24}
